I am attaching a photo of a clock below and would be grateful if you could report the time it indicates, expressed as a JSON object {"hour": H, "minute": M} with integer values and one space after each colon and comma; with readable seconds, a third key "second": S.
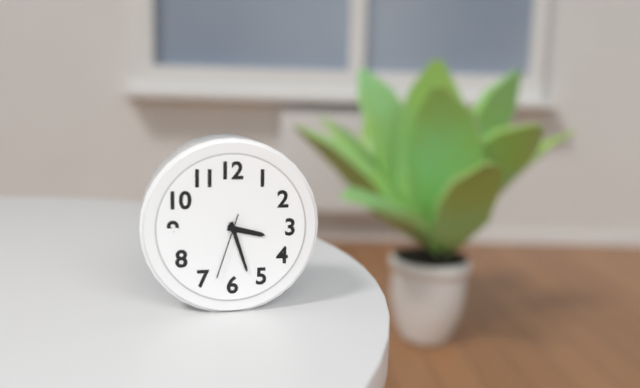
{"hour": 3, "minute": 27, "second": 33}
